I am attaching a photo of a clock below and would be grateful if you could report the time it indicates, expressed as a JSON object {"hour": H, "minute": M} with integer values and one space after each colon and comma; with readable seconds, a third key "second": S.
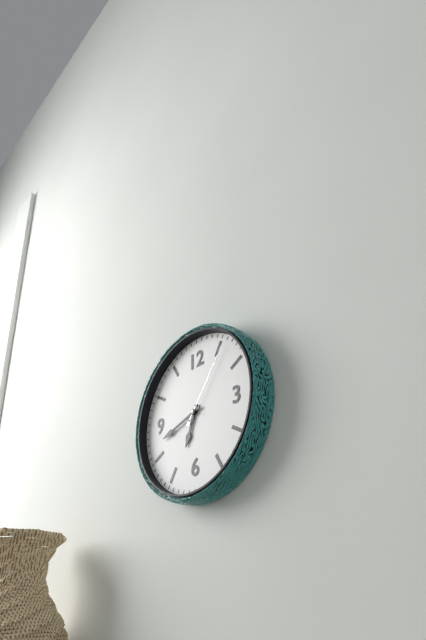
{"hour": 6, "minute": 42, "second": 6}
